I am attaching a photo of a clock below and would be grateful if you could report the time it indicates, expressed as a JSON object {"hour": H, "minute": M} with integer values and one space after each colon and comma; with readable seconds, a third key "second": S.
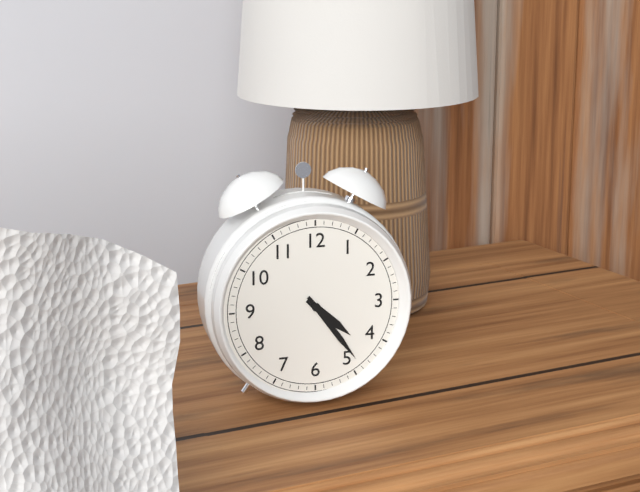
{"hour": 4, "minute": 24}
